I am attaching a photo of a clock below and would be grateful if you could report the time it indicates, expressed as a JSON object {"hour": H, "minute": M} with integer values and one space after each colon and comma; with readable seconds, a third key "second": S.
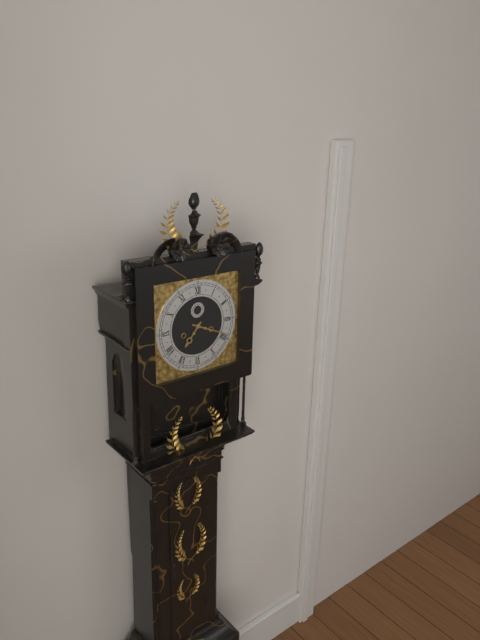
{"hour": 7, "minute": 19}
